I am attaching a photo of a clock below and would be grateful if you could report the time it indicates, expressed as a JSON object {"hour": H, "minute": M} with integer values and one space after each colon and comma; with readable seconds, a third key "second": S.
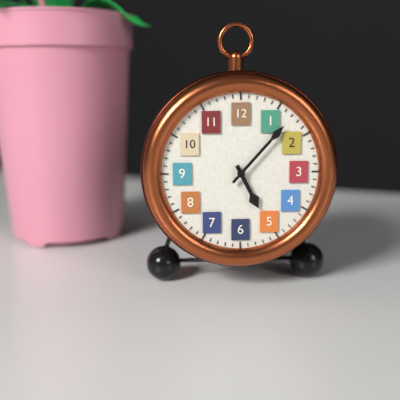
{"hour": 5, "minute": 7}
